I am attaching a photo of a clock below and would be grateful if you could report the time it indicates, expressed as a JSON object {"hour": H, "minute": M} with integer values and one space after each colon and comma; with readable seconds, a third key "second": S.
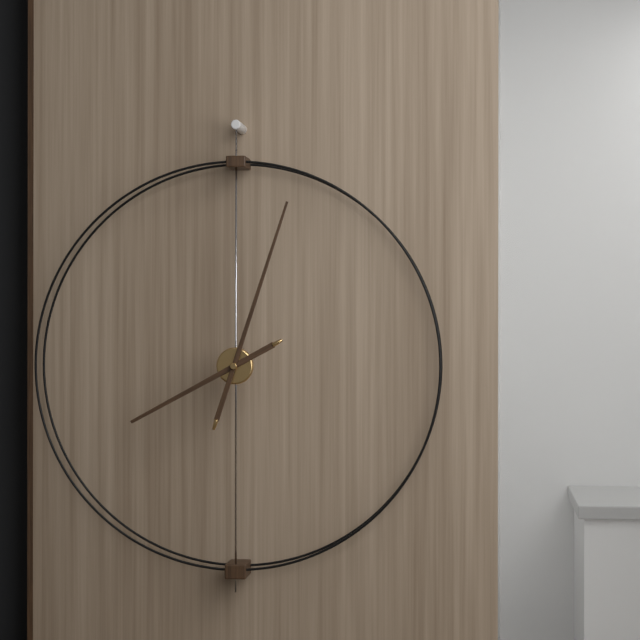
{"hour": 8, "minute": 3}
